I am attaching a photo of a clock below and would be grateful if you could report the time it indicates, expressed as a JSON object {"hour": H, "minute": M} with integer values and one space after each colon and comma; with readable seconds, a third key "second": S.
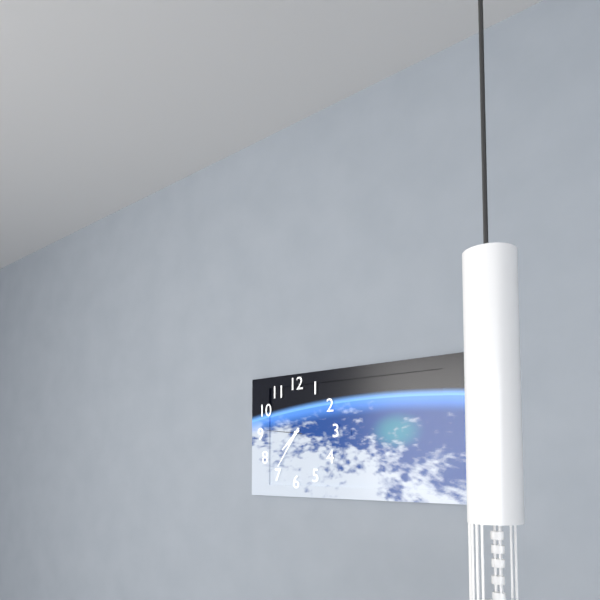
{"hour": 7, "minute": 36}
